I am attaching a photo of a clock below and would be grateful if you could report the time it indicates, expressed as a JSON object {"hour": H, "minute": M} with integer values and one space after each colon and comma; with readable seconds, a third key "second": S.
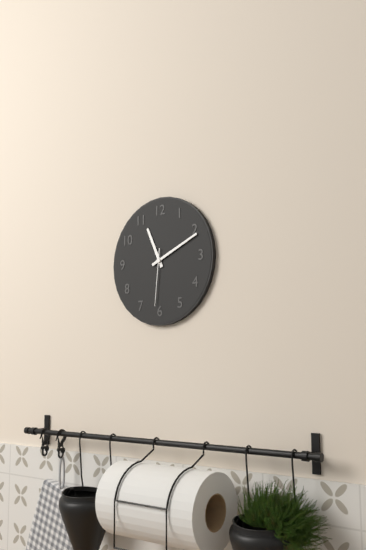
{"hour": 11, "minute": 11, "second": 31}
